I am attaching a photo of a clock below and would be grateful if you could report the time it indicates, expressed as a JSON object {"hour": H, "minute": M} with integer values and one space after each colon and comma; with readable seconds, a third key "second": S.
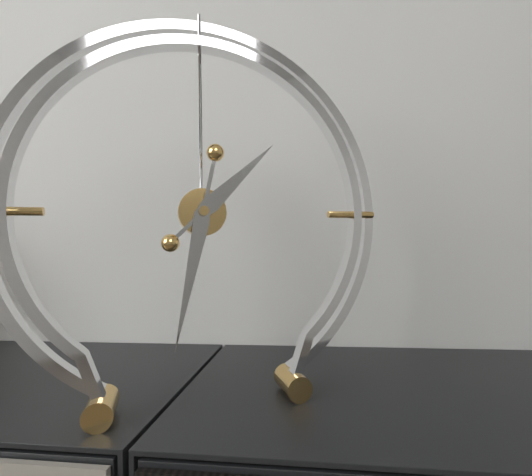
{"hour": 1, "minute": 32}
